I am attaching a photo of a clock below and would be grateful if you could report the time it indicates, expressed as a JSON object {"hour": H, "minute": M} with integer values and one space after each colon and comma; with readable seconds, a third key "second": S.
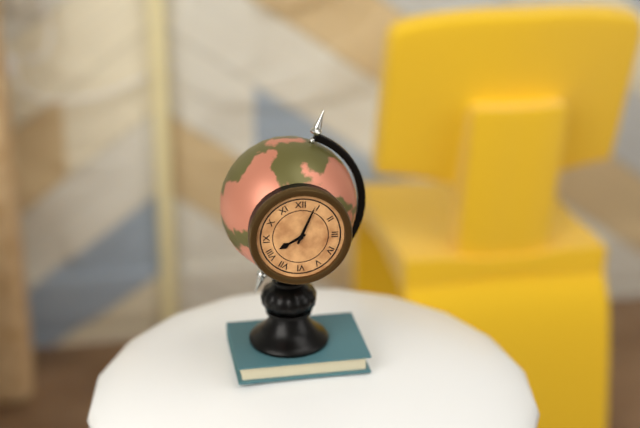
{"hour": 8, "minute": 4}
